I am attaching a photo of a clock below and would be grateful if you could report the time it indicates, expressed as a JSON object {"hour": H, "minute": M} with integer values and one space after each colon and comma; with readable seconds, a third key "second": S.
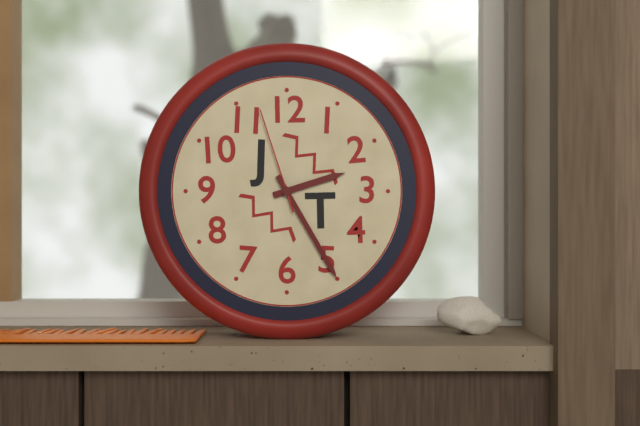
{"hour": 2, "minute": 25, "second": 57}
